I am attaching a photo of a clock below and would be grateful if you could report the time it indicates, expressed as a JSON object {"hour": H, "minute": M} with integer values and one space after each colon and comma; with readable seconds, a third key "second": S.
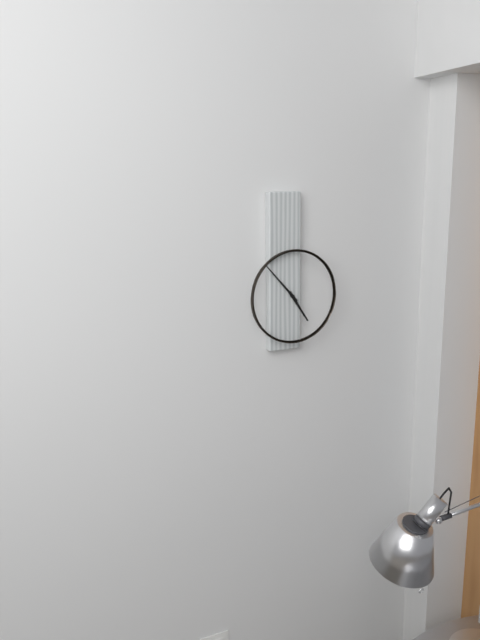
{"hour": 4, "minute": 53}
